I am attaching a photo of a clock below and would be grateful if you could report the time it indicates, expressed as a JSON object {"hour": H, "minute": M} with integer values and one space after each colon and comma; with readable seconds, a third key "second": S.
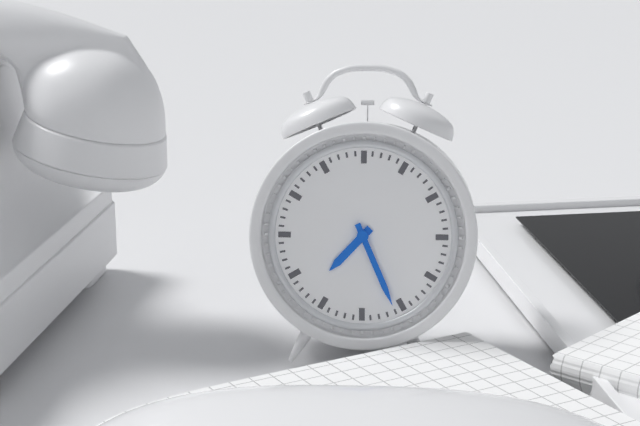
{"hour": 7, "minute": 26}
